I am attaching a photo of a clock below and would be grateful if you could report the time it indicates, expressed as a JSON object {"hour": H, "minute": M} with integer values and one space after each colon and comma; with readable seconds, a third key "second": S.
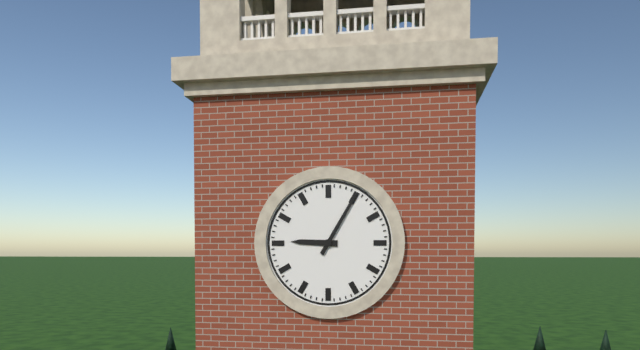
{"hour": 9, "minute": 5}
